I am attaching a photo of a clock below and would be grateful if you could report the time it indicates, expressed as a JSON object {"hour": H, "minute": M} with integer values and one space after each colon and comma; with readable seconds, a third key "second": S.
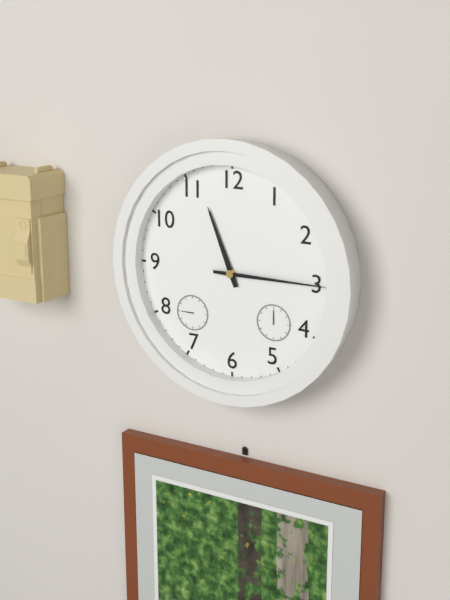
{"hour": 11, "minute": 15}
